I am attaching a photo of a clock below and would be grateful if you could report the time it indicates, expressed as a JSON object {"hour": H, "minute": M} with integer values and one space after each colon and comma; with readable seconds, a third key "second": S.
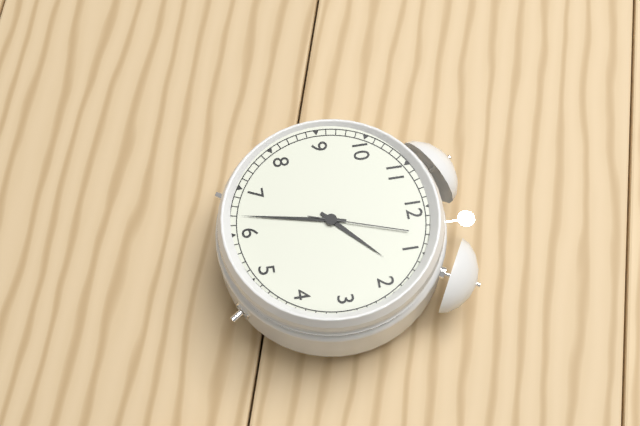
{"hour": 1, "minute": 32, "second": 3}
